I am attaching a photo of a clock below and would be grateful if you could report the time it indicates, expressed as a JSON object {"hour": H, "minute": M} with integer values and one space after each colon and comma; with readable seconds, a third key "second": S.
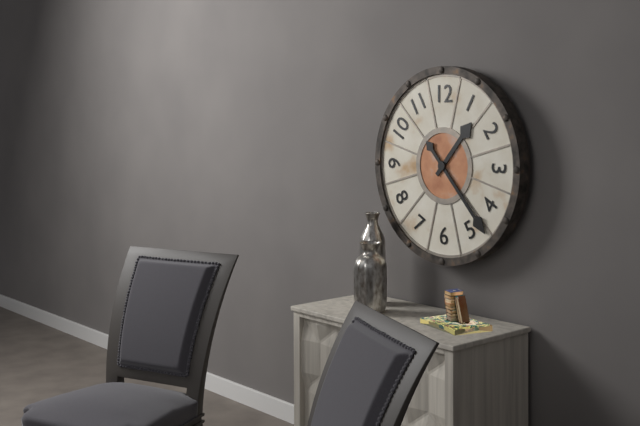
{"hour": 1, "minute": 23}
